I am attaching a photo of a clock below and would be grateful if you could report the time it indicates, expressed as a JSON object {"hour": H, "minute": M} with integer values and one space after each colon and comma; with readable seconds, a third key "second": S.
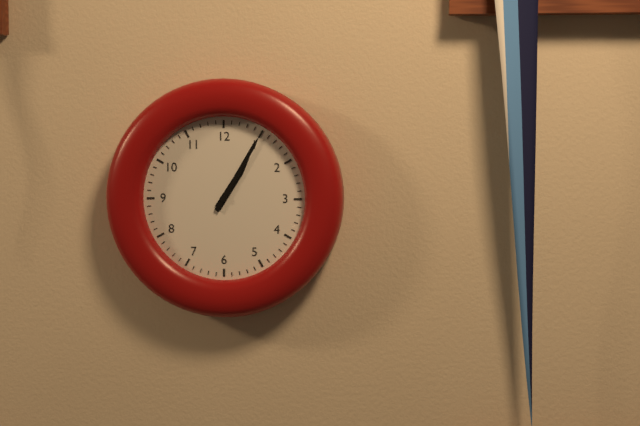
{"hour": 1, "minute": 5}
